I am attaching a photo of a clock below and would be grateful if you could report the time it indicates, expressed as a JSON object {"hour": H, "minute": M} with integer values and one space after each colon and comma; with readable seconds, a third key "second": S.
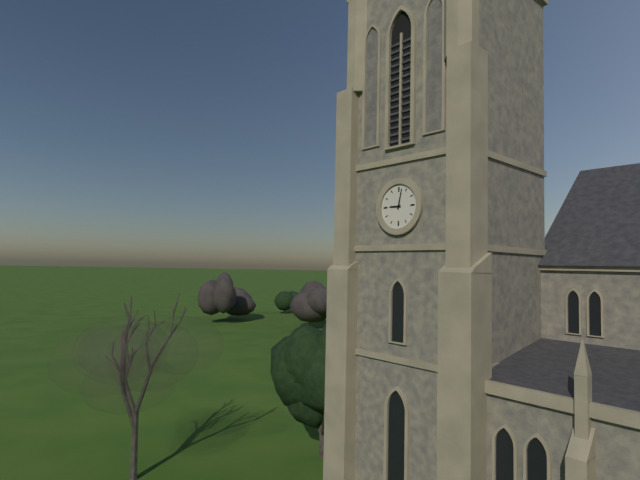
{"hour": 9, "minute": 2}
